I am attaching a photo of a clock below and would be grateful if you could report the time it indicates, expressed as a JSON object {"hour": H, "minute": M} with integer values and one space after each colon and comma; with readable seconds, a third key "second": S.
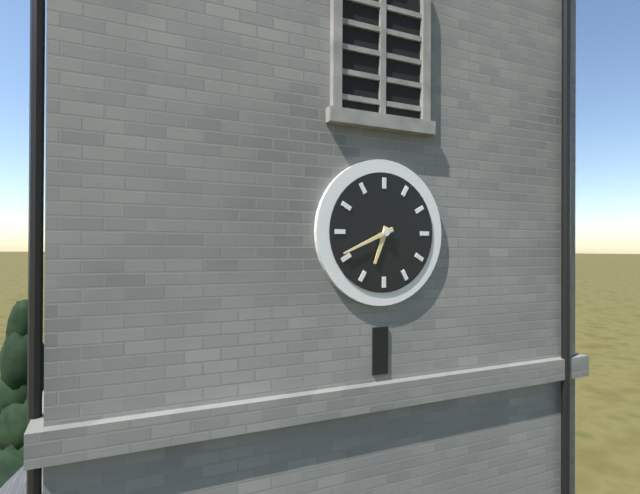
{"hour": 6, "minute": 41}
